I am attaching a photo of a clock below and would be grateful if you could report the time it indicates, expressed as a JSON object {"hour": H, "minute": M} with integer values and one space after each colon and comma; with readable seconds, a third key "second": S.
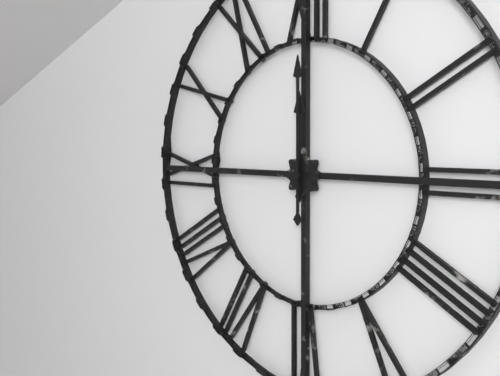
{"hour": 12, "minute": 0}
